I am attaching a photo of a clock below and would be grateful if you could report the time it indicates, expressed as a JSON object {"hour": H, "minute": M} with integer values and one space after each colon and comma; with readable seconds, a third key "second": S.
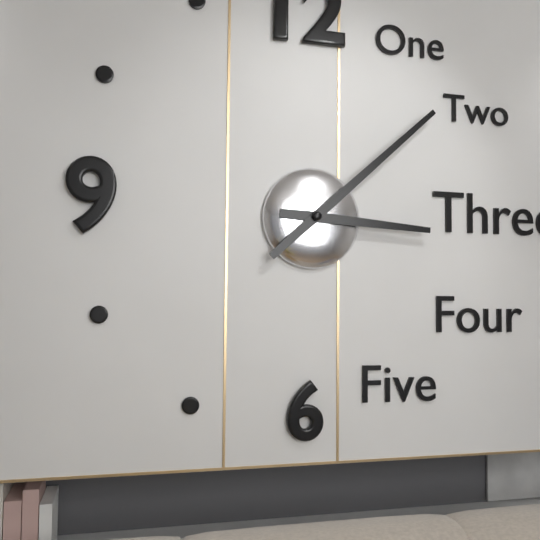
{"hour": 3, "minute": 8}
